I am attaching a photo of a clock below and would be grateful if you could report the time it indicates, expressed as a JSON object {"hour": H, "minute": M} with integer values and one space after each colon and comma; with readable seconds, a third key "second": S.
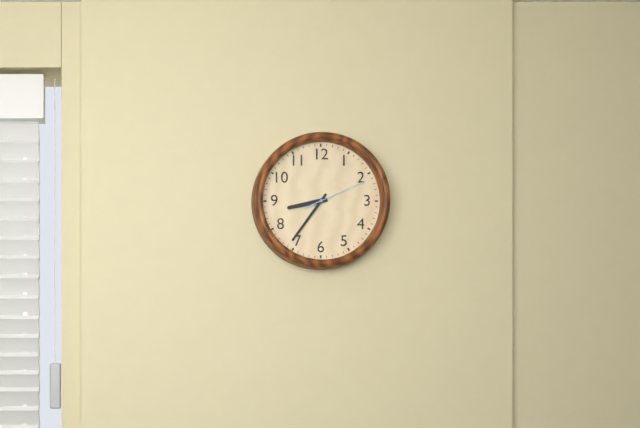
{"hour": 8, "minute": 36, "second": 11}
